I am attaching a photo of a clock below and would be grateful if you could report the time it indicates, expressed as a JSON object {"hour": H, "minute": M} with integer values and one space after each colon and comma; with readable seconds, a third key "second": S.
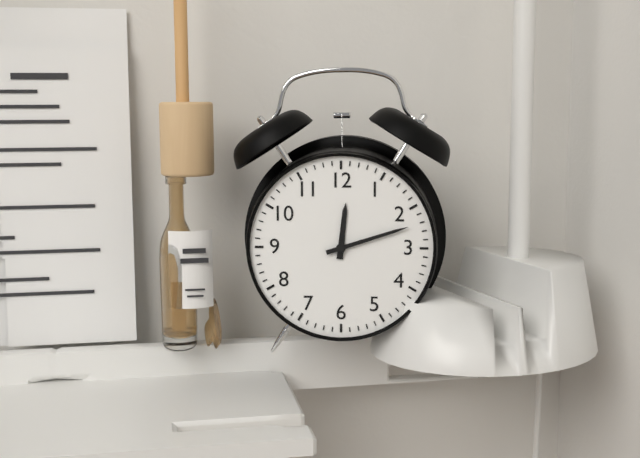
{"hour": 12, "minute": 12}
